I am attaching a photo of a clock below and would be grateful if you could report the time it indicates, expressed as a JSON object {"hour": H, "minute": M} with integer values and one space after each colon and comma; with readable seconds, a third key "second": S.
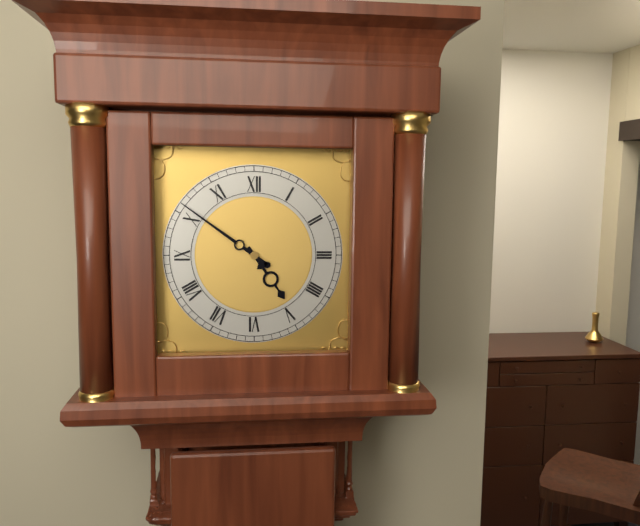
{"hour": 4, "minute": 51}
